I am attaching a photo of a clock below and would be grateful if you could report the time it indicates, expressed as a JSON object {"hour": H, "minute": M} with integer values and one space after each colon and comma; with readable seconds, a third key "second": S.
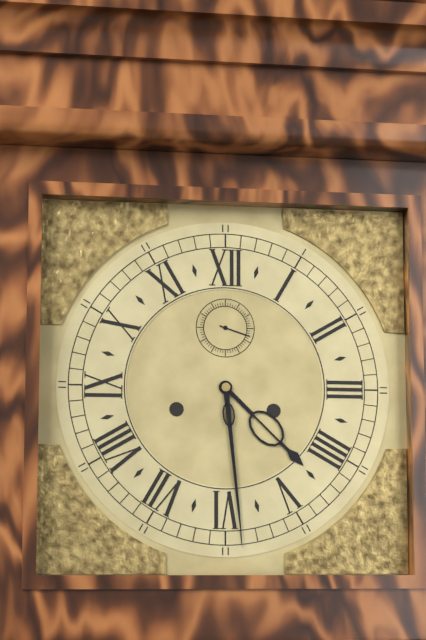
{"hour": 4, "minute": 29}
